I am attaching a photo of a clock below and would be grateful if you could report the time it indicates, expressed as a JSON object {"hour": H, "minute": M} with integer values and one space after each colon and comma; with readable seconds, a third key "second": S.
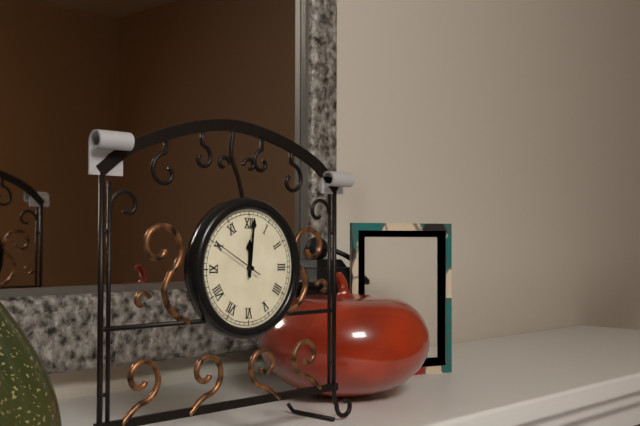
{"hour": 12, "minute": 1}
